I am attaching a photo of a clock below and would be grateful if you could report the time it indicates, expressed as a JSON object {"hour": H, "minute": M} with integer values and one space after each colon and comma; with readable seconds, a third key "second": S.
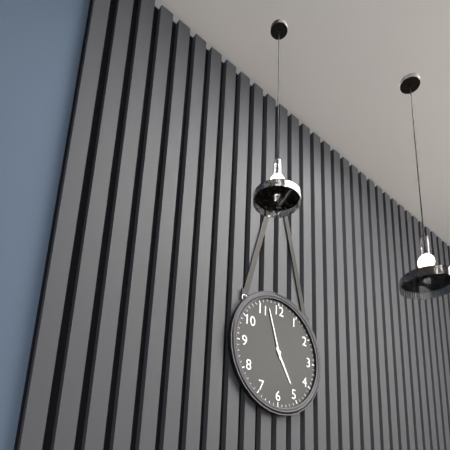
{"hour": 4, "minute": 57}
